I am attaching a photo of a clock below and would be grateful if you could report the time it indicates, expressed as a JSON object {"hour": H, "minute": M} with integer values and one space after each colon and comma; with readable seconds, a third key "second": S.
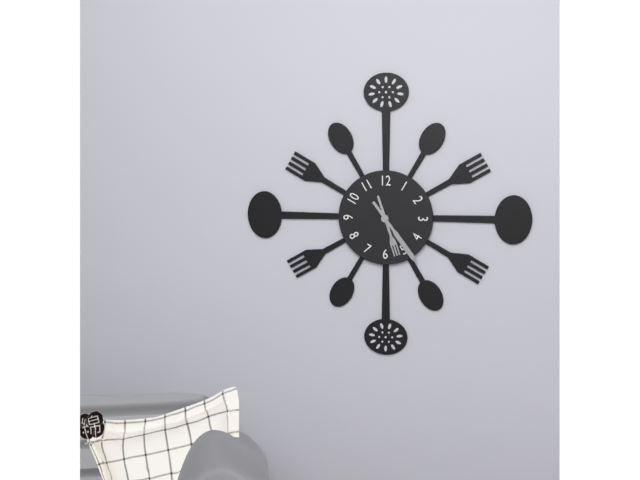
{"hour": 5, "minute": 24}
